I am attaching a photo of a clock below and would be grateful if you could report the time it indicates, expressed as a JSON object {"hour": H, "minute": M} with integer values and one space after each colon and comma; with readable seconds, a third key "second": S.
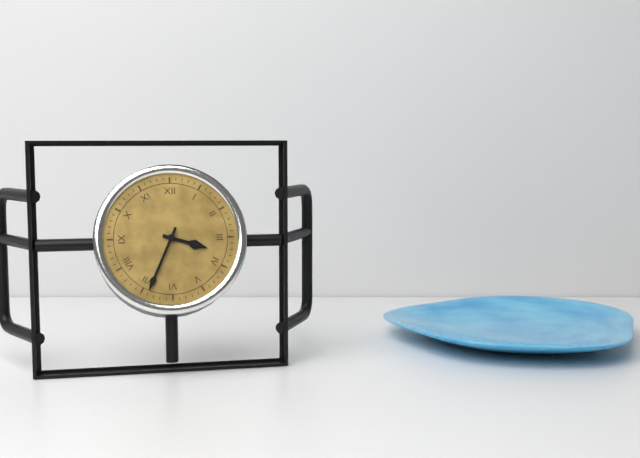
{"hour": 3, "minute": 34}
